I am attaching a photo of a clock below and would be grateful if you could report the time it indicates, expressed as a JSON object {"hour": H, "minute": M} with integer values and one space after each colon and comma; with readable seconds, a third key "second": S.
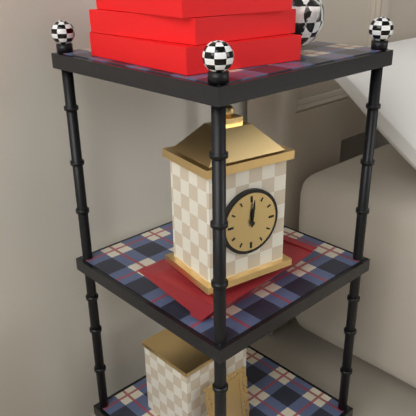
{"hour": 12, "minute": 1}
